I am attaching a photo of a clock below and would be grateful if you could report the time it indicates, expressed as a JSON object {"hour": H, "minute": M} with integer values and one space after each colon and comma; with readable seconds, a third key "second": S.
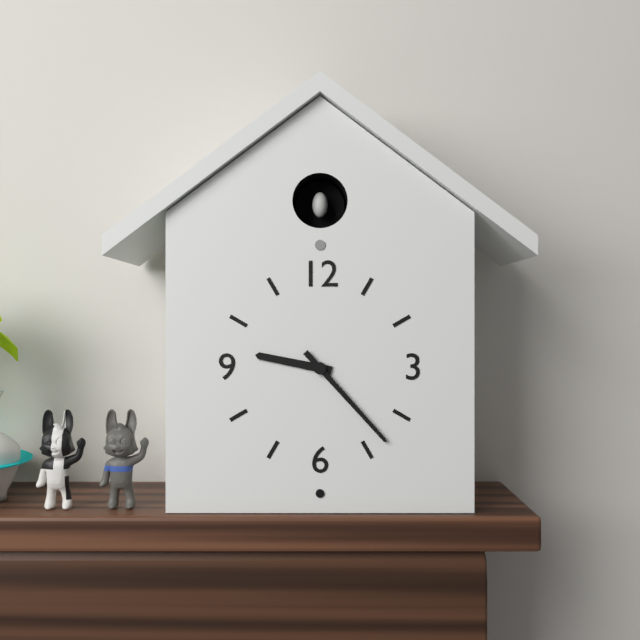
{"hour": 9, "minute": 23}
